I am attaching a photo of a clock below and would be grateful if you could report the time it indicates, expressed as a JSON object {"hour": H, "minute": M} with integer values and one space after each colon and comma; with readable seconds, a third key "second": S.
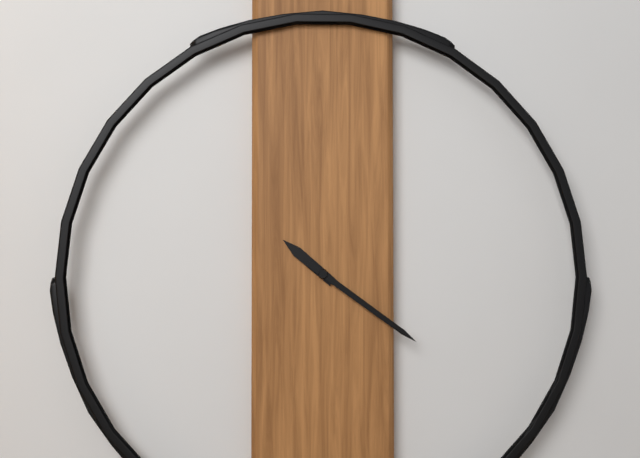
{"hour": 10, "minute": 21}
